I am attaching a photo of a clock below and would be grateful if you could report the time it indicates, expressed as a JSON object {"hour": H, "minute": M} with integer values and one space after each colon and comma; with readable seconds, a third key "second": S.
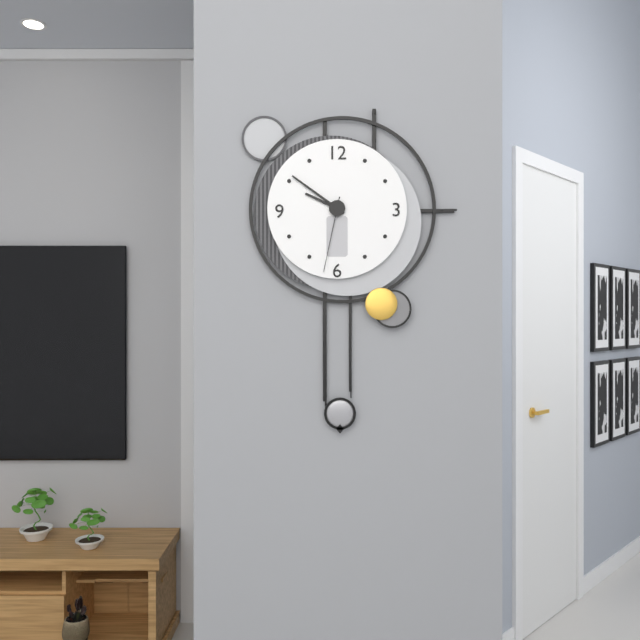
{"hour": 9, "minute": 51, "second": 32}
